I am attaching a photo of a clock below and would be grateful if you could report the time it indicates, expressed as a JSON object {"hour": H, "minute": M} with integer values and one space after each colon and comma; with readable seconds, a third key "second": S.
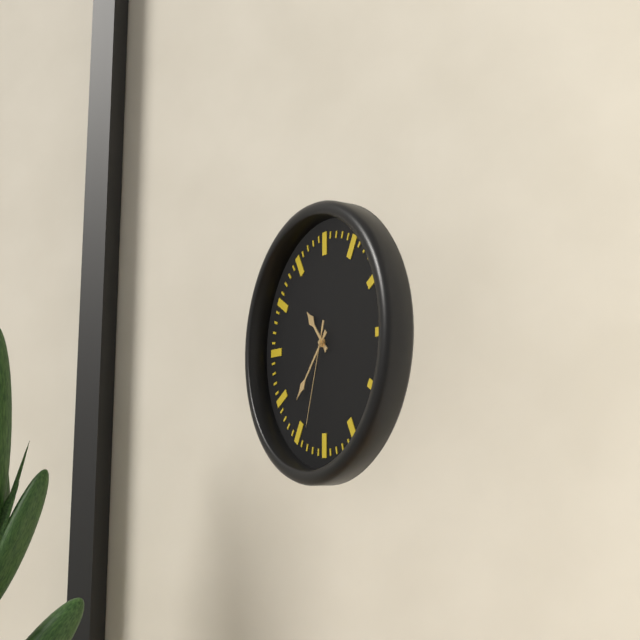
{"hour": 10, "minute": 37, "second": 33}
